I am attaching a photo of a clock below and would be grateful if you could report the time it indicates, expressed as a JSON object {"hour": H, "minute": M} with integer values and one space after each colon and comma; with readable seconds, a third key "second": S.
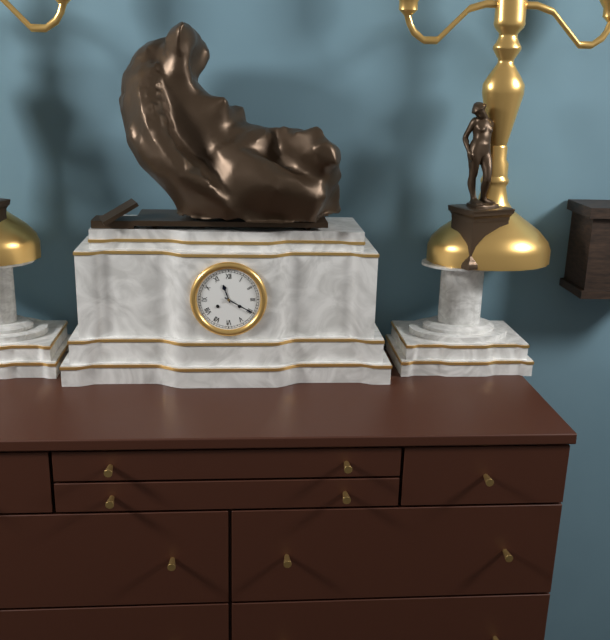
{"hour": 11, "minute": 20}
